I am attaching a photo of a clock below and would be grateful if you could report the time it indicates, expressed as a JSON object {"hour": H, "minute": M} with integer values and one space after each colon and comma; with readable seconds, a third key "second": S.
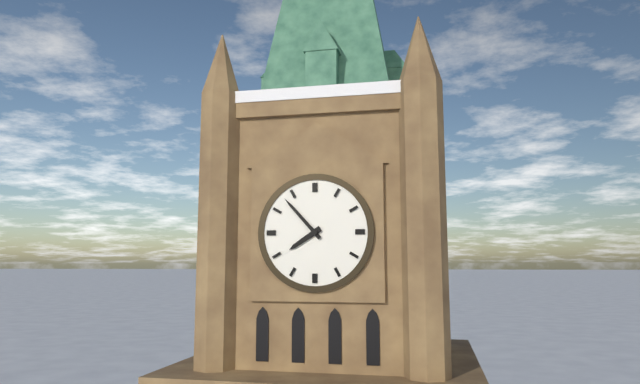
{"hour": 7, "minute": 53}
